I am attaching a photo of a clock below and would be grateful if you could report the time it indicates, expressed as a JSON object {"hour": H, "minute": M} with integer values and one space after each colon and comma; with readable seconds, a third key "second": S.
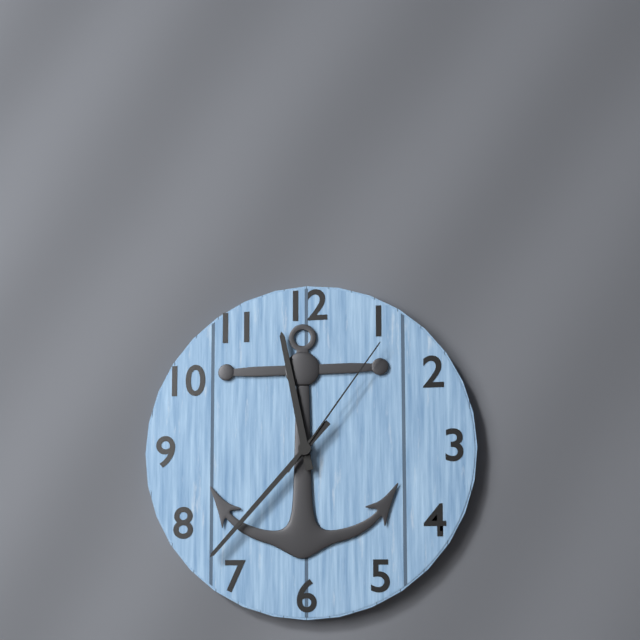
{"hour": 11, "minute": 37, "second": 6}
